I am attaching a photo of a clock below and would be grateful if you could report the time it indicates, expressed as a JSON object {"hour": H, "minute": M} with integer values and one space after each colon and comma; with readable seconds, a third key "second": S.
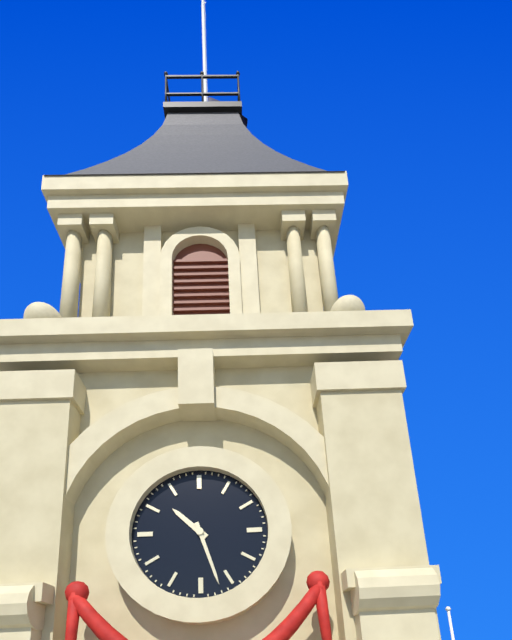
{"hour": 10, "minute": 27}
